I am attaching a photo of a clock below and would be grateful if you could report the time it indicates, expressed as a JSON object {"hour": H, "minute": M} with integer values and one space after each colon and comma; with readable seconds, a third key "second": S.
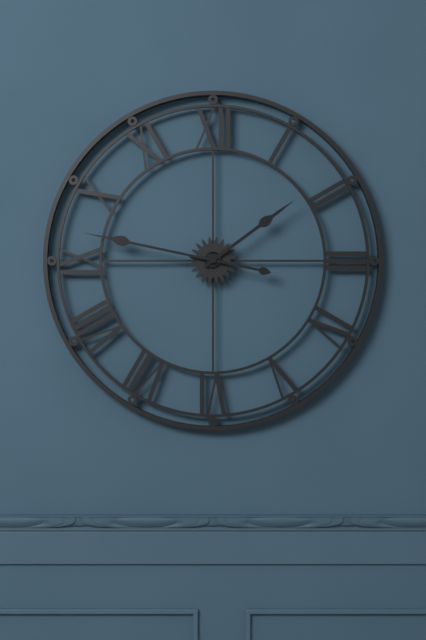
{"hour": 1, "minute": 47}
